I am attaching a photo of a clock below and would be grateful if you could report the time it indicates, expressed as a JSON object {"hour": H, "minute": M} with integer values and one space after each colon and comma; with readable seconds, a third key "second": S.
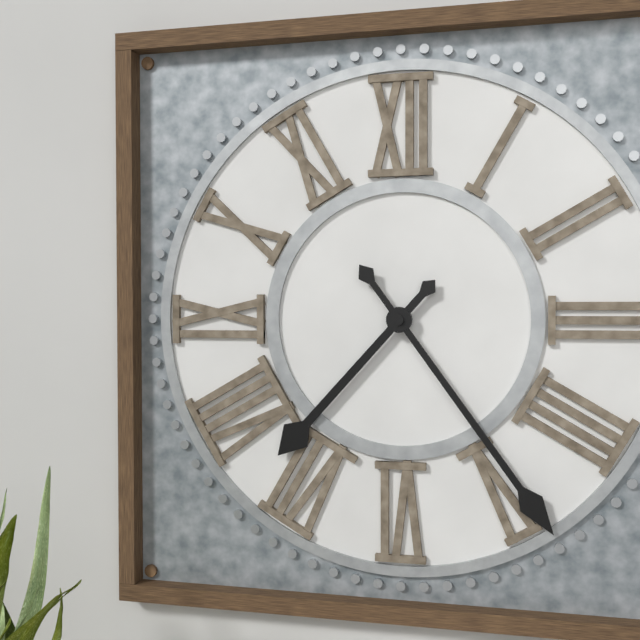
{"hour": 7, "minute": 24}
